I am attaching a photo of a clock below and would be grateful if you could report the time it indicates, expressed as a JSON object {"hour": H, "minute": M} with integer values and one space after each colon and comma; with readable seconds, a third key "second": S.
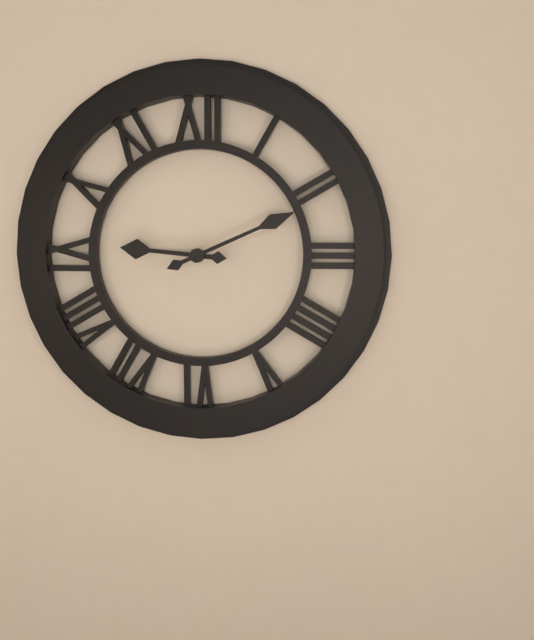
{"hour": 9, "minute": 11}
